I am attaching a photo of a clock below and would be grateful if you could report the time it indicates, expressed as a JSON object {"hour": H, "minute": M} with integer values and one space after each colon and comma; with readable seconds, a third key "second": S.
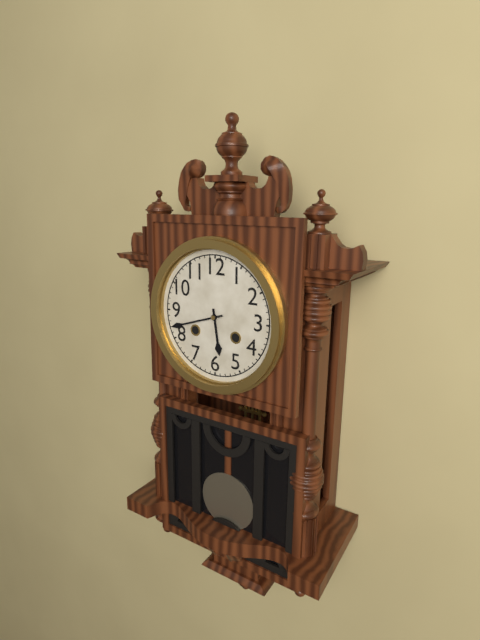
{"hour": 5, "minute": 42}
